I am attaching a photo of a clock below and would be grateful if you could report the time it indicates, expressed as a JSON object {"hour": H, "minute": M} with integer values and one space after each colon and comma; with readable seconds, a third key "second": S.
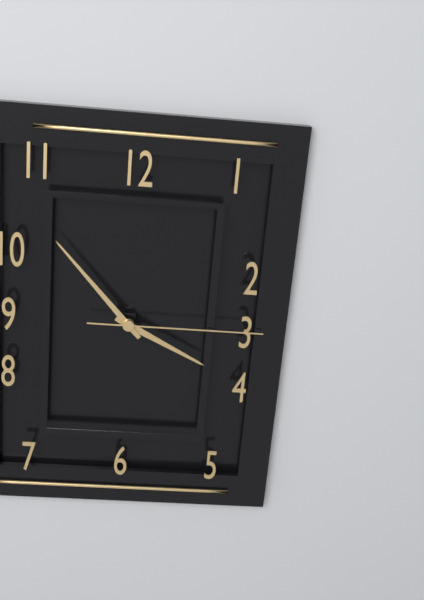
{"hour": 3, "minute": 53, "second": 15}
